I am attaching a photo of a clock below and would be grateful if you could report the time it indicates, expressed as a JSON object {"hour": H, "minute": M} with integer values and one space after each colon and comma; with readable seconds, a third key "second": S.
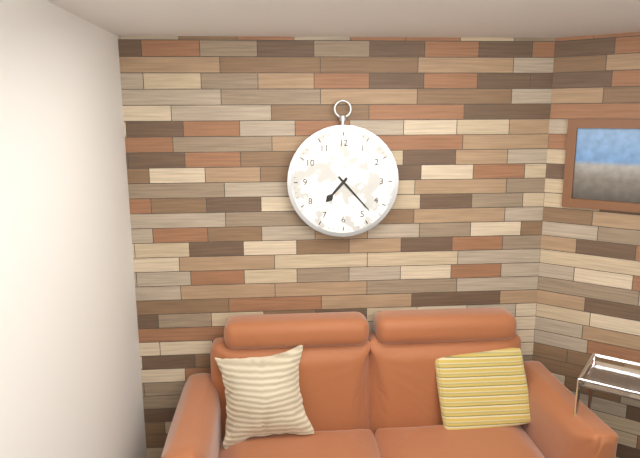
{"hour": 7, "minute": 23}
